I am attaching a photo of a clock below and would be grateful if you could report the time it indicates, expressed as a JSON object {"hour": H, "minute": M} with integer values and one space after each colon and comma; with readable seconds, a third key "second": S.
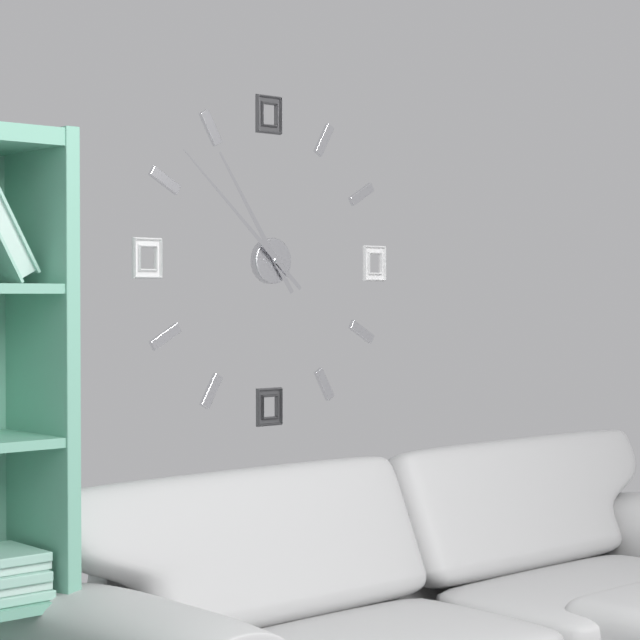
{"hour": 10, "minute": 52}
